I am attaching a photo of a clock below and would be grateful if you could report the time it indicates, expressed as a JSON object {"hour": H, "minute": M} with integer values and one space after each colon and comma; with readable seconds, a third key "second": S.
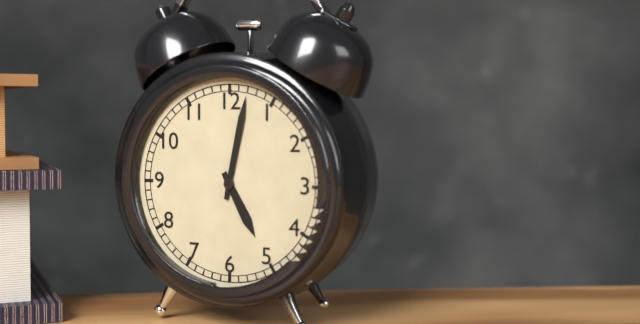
{"hour": 5, "minute": 2}
